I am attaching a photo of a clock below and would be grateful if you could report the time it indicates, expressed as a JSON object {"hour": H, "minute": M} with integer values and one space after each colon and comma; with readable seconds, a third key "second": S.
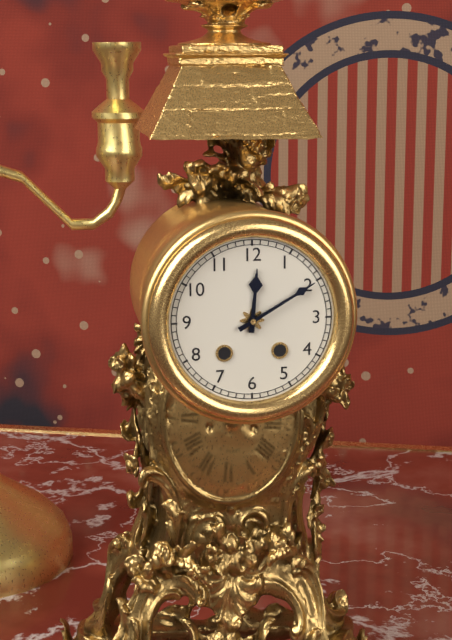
{"hour": 12, "minute": 10}
